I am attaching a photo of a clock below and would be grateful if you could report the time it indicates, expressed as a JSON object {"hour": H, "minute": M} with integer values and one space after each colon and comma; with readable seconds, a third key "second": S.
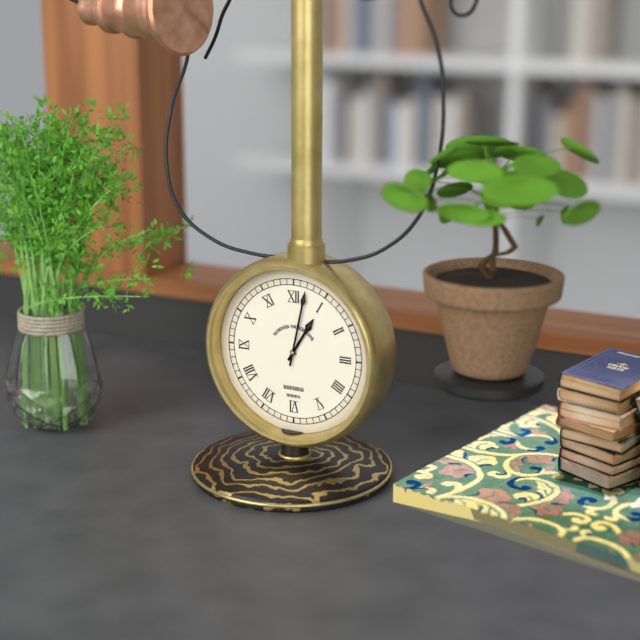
{"hour": 1, "minute": 2}
